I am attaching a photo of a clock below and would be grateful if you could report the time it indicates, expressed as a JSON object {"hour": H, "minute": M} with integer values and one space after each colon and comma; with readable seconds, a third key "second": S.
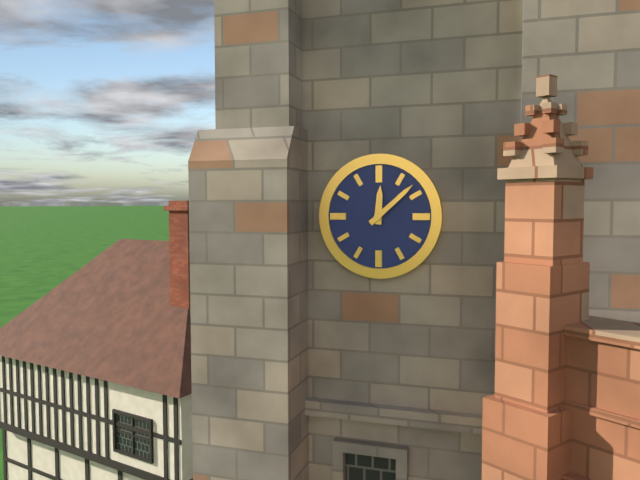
{"hour": 12, "minute": 8}
